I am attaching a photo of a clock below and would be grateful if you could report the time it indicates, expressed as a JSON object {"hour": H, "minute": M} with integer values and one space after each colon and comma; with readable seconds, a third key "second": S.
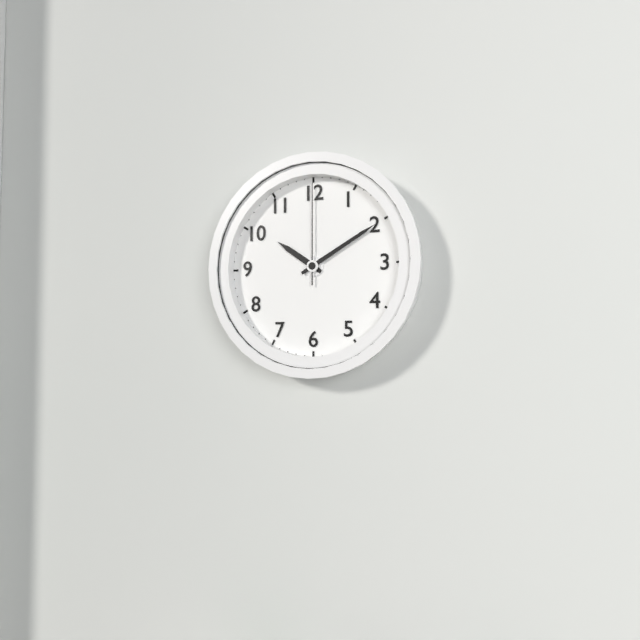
{"hour": 10, "minute": 10, "second": 0}
